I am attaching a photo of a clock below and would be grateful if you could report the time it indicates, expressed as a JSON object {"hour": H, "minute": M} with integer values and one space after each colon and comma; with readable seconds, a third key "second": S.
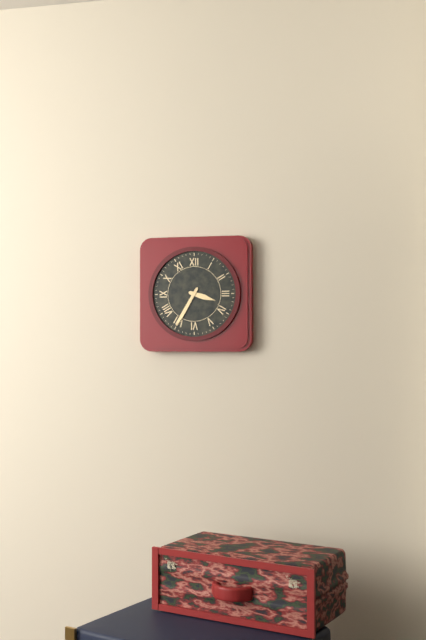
{"hour": 3, "minute": 35}
